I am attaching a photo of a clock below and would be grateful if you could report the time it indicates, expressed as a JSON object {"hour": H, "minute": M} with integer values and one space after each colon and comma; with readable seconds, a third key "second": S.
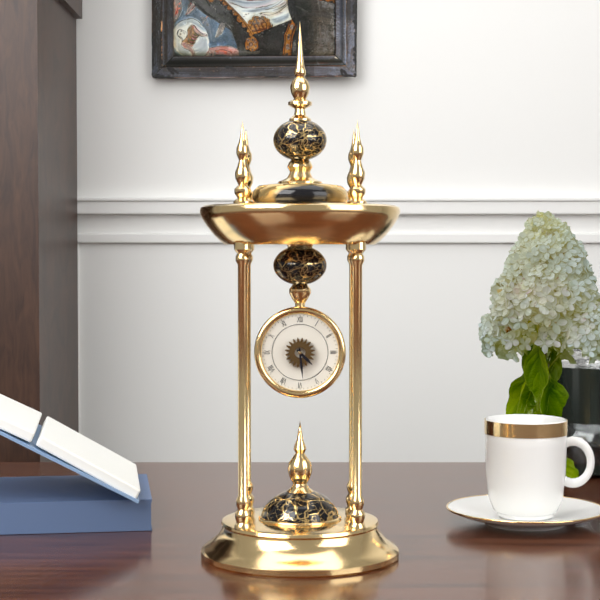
{"hour": 4, "minute": 29}
